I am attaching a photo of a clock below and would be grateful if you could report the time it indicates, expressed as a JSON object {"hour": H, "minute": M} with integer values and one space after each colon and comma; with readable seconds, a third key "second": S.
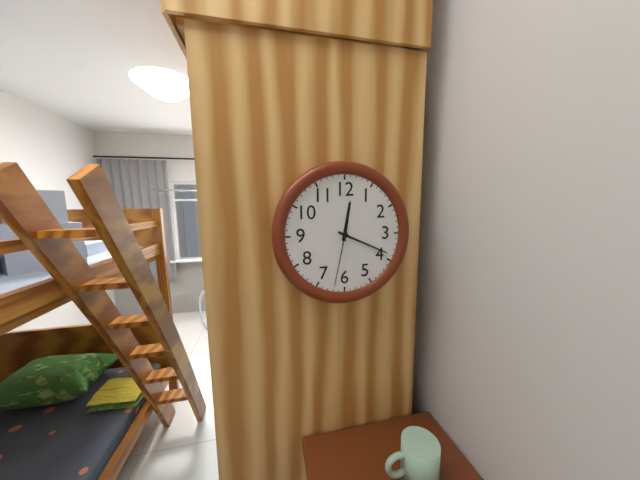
{"hour": 12, "minute": 19, "second": 32}
